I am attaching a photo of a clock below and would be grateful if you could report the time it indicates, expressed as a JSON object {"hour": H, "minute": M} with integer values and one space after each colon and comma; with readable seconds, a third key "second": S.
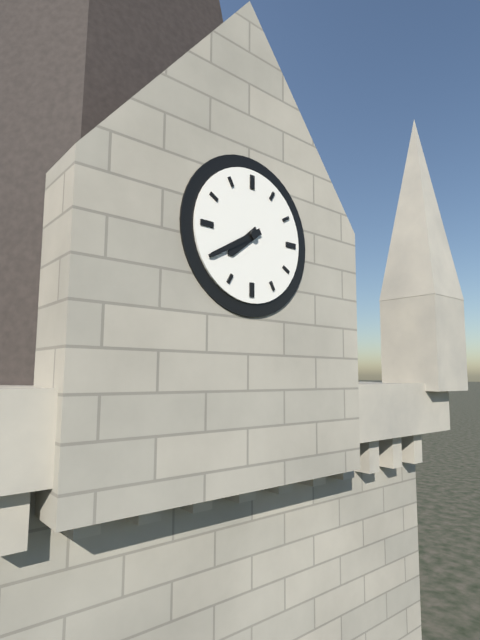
{"hour": 7, "minute": 40}
